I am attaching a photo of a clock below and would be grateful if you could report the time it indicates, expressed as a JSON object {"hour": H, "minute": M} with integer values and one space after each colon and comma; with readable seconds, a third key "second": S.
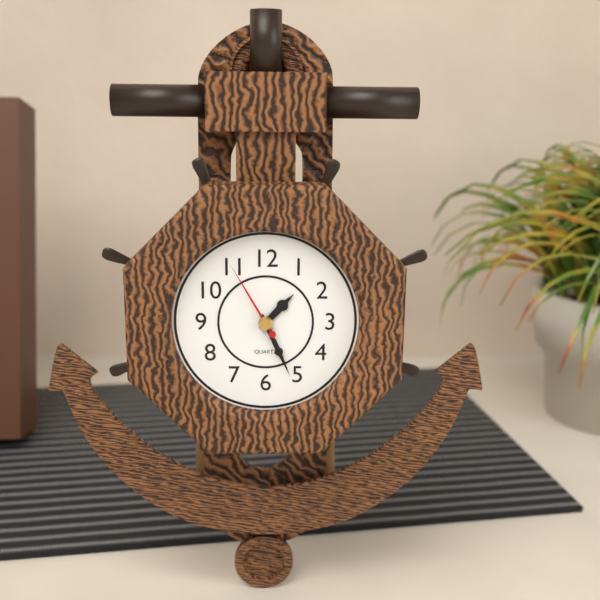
{"hour": 1, "minute": 26, "second": 55}
